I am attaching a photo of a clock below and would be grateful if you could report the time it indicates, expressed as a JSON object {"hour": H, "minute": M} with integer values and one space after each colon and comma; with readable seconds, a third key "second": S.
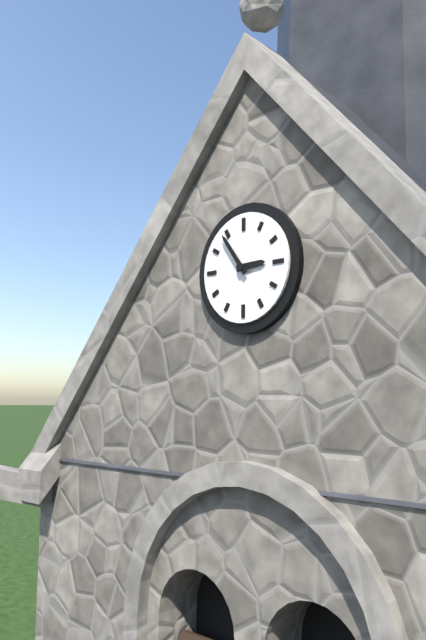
{"hour": 2, "minute": 54}
